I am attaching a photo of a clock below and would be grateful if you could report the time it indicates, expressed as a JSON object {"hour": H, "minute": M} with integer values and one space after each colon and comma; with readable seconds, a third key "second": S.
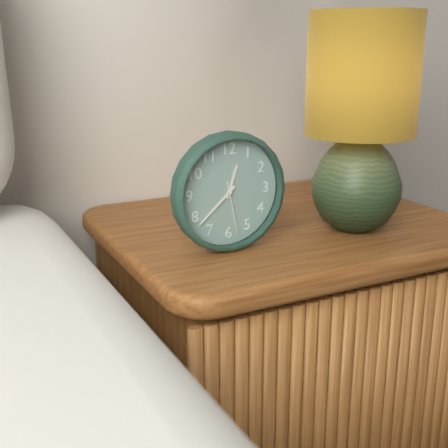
{"hour": 12, "minute": 38, "second": 28}
